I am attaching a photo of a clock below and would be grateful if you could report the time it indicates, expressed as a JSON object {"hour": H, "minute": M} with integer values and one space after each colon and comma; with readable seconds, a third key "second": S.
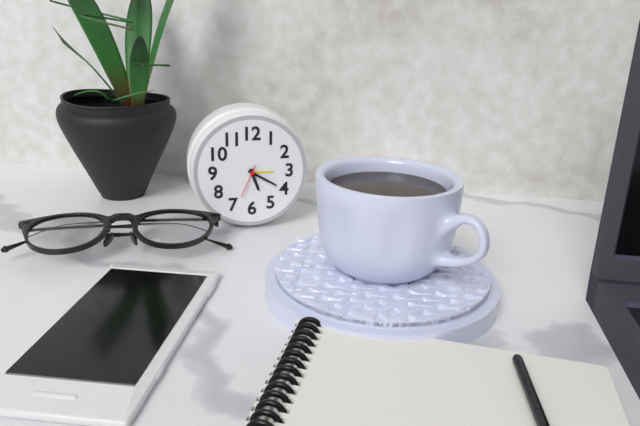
{"hour": 5, "minute": 20}
